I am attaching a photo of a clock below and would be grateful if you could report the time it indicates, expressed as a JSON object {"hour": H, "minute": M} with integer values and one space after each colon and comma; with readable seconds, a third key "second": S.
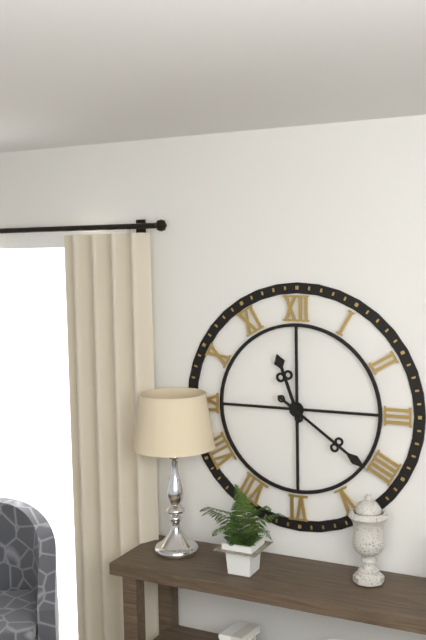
{"hour": 11, "minute": 21}
